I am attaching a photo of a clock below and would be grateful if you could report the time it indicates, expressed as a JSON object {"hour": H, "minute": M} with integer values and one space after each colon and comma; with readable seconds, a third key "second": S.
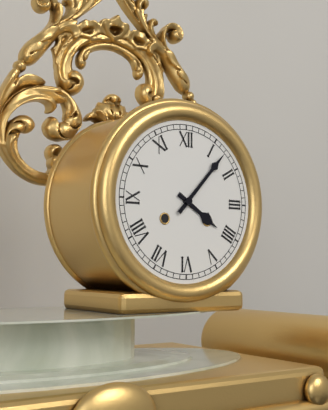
{"hour": 4, "minute": 7}
